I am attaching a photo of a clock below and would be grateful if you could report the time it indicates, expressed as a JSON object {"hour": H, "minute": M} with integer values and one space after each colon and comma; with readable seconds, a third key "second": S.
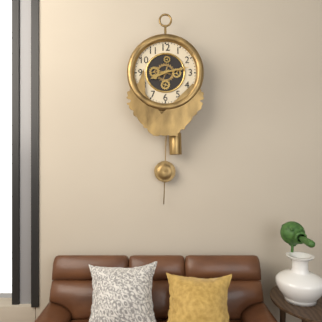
{"hour": 8, "minute": 13}
